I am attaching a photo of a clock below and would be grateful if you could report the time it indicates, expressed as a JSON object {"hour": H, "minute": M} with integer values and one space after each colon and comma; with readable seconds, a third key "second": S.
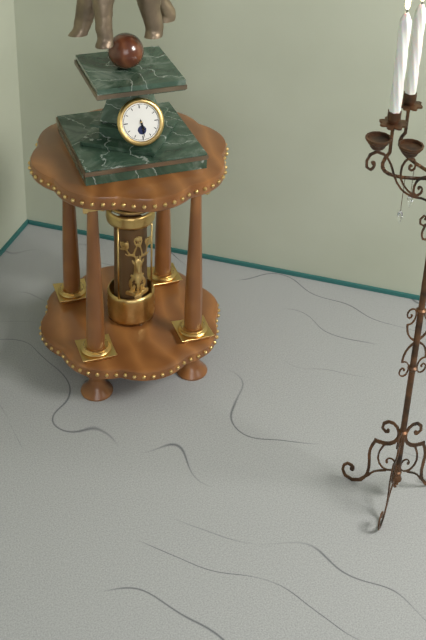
{"hour": 5, "minute": 29}
